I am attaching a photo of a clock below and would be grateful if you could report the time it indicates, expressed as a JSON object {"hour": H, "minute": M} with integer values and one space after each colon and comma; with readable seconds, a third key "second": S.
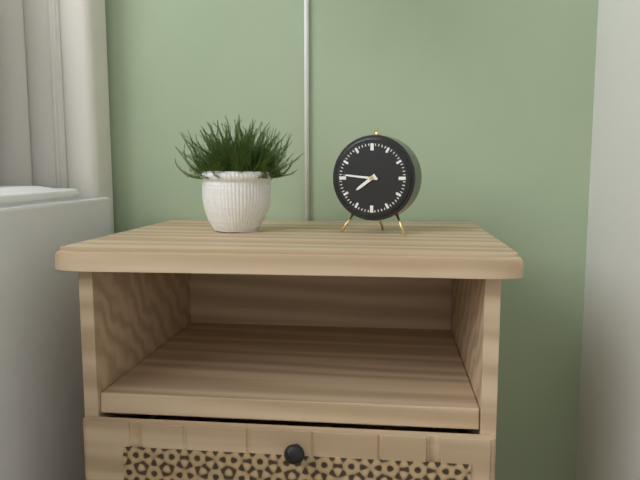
{"hour": 7, "minute": 46}
